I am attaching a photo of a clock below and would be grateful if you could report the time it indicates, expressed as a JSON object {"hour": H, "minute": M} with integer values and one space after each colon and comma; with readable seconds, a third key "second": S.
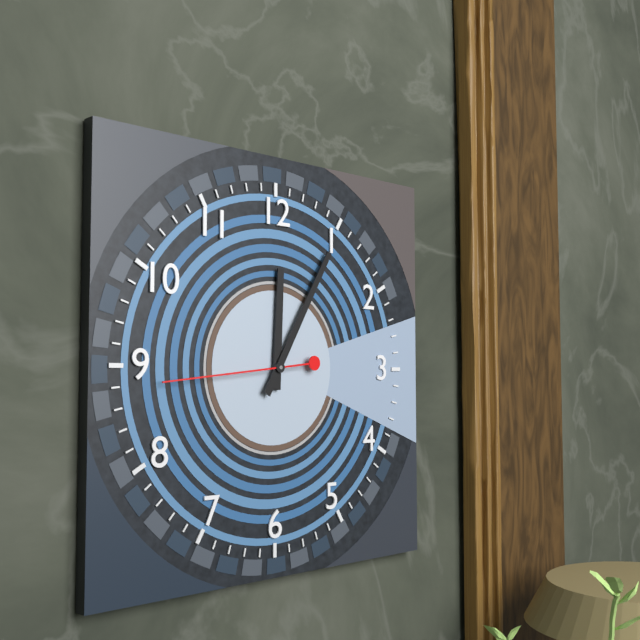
{"hour": 12, "minute": 5, "second": 44}
